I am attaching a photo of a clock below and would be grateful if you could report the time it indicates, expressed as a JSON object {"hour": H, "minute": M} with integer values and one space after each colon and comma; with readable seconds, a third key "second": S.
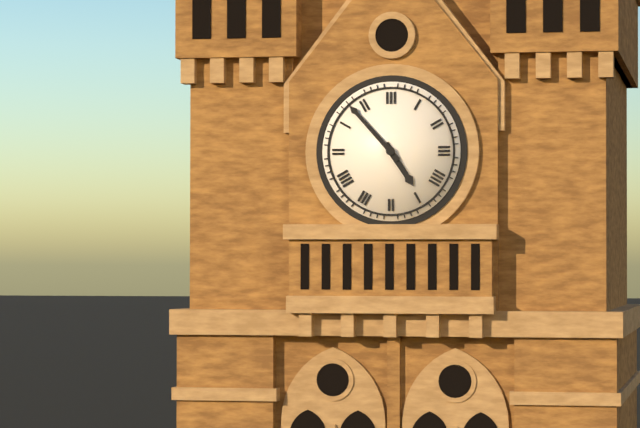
{"hour": 4, "minute": 53}
